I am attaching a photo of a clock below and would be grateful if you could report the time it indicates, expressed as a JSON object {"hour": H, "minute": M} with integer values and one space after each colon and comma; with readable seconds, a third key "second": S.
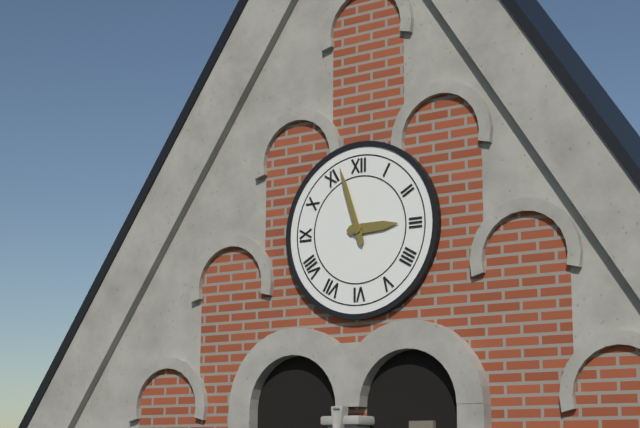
{"hour": 2, "minute": 57}
